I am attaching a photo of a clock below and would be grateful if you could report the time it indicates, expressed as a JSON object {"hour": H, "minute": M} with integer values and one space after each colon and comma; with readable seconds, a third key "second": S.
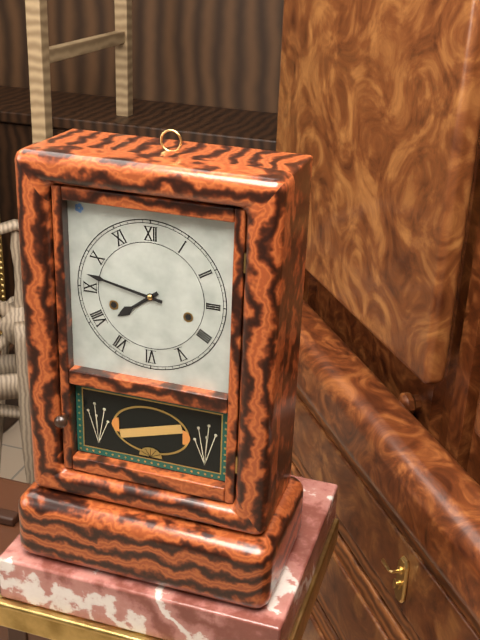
{"hour": 7, "minute": 47}
